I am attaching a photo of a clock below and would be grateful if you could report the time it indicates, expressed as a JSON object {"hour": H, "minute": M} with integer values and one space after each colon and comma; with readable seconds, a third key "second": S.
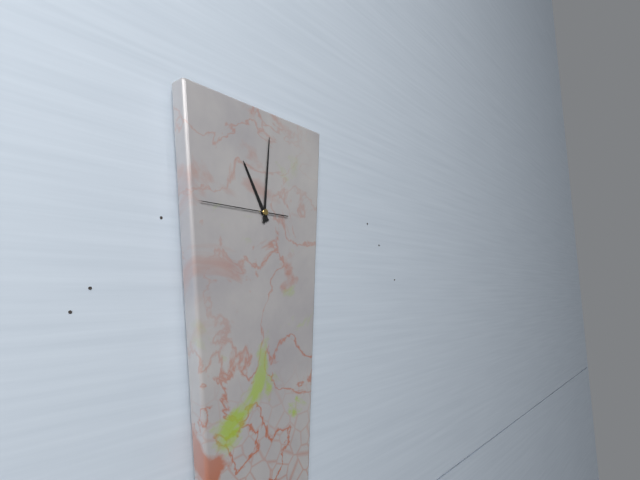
{"hour": 11, "minute": 1, "second": 45}
